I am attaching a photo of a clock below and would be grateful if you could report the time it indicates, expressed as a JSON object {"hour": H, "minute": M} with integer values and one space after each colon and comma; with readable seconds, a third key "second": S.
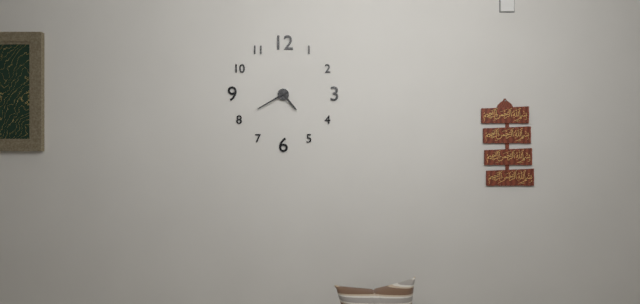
{"hour": 4, "minute": 40}
